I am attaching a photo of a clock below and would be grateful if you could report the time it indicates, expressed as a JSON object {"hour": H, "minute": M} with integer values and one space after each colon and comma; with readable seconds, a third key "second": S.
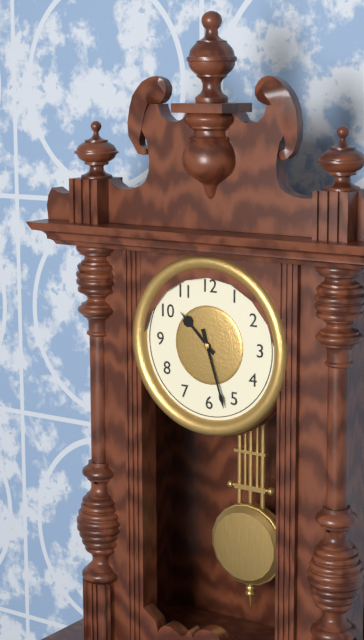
{"hour": 10, "minute": 27}
